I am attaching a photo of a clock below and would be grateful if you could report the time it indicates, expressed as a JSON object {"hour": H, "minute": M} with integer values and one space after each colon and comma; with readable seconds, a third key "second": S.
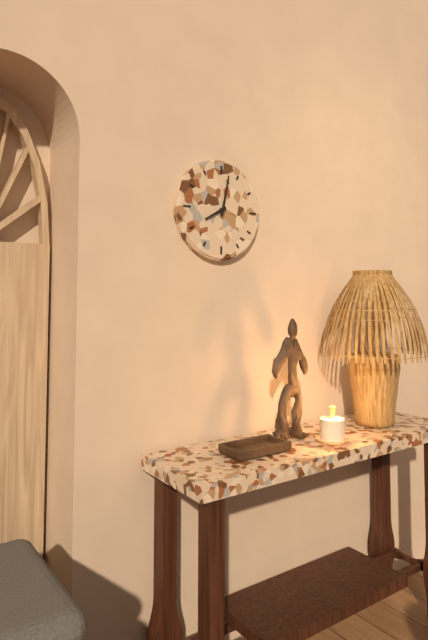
{"hour": 8, "minute": 2}
